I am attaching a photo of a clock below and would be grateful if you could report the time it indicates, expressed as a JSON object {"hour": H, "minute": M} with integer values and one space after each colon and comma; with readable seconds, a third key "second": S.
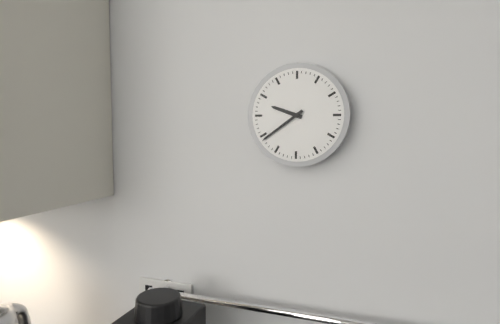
{"hour": 9, "minute": 39}
